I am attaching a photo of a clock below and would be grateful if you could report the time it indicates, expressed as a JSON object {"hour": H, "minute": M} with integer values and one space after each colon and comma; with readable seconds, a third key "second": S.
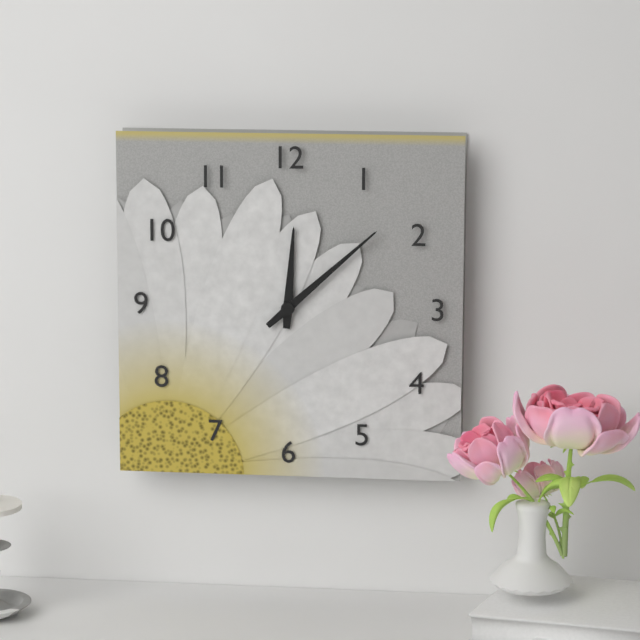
{"hour": 12, "minute": 8}
